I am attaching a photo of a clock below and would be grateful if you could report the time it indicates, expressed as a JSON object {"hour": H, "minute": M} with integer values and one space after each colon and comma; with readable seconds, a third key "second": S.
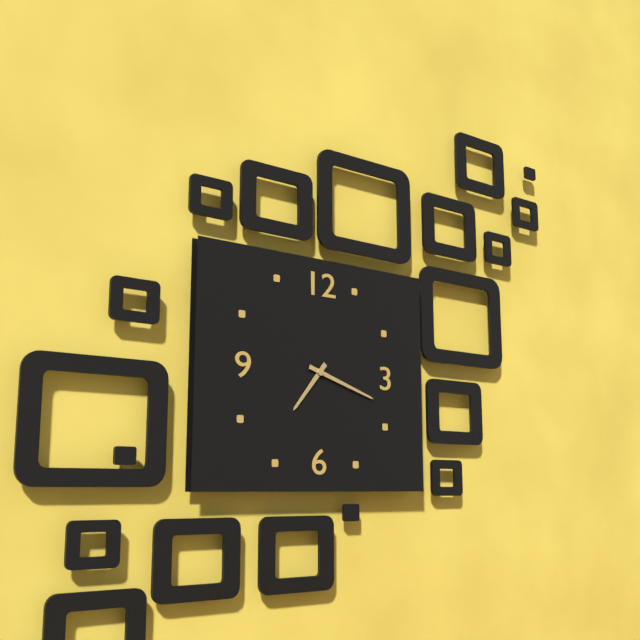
{"hour": 7, "minute": 18}
